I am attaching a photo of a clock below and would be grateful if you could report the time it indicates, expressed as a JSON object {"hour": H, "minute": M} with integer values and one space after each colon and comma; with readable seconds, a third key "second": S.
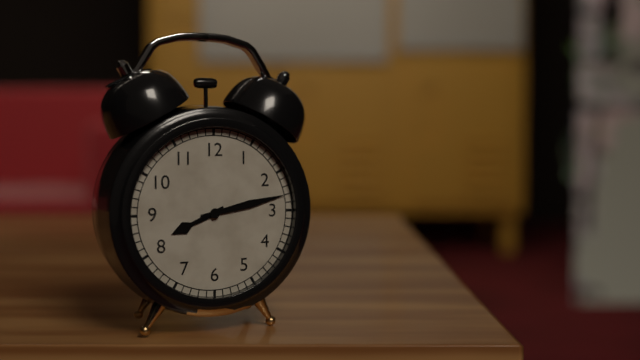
{"hour": 8, "minute": 13}
